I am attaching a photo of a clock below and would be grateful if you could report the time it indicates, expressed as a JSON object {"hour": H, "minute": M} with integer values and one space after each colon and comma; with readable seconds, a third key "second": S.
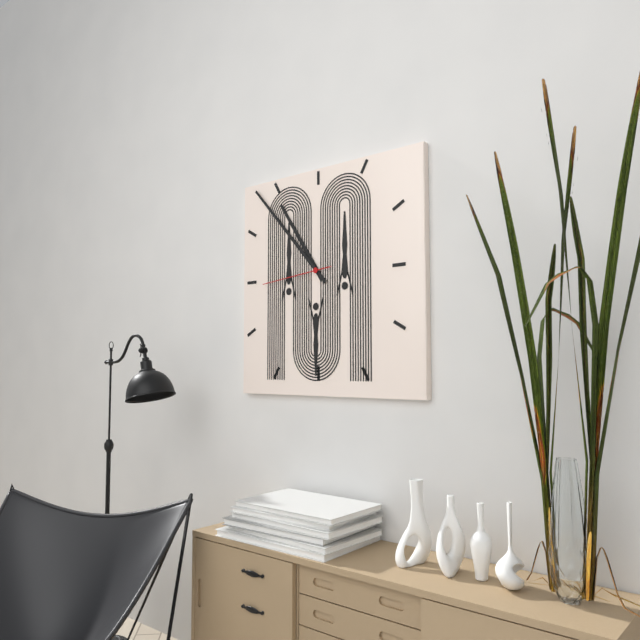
{"hour": 10, "minute": 53, "second": 44}
